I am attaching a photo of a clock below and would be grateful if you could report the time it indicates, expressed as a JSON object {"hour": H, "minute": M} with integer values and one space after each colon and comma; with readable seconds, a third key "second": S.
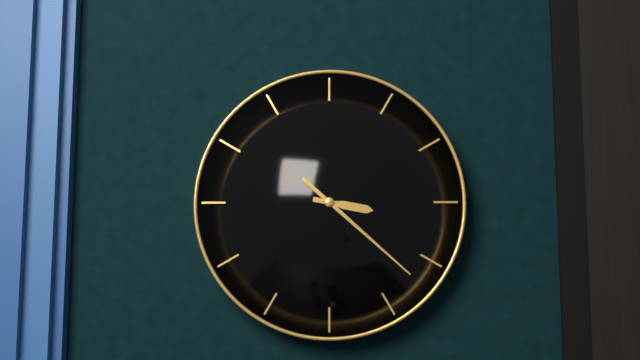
{"hour": 3, "minute": 22}
